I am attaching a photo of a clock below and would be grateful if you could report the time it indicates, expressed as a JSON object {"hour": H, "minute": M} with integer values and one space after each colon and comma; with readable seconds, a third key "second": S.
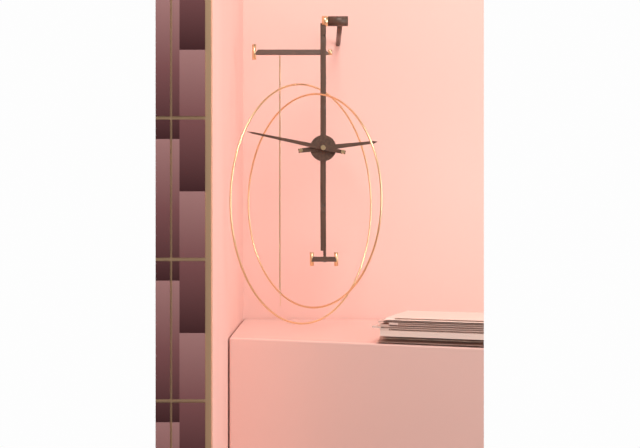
{"hour": 2, "minute": 47}
